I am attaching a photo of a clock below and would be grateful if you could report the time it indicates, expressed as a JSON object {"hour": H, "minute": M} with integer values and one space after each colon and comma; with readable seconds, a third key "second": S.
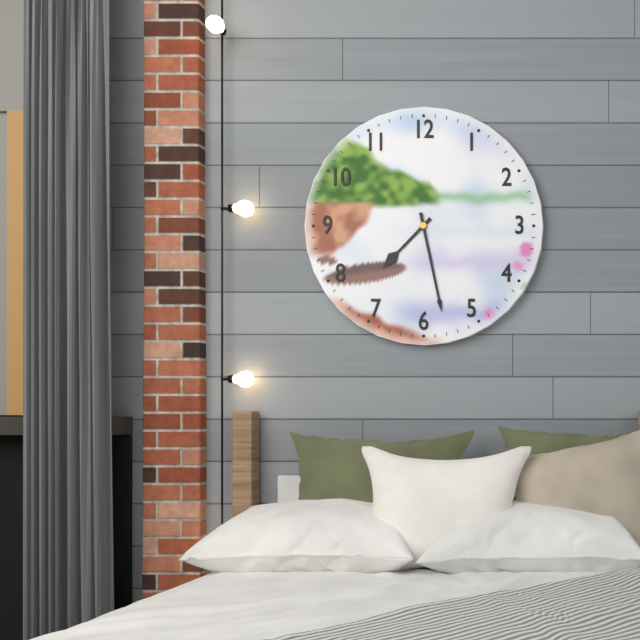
{"hour": 7, "minute": 28}
